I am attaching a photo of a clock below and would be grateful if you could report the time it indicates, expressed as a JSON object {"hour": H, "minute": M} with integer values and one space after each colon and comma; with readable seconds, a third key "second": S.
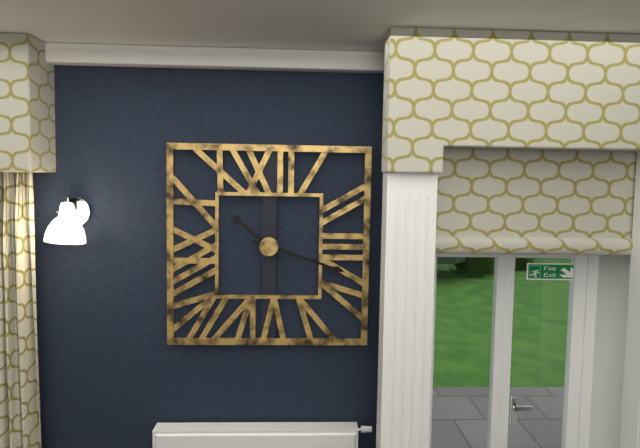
{"hour": 10, "minute": 18}
